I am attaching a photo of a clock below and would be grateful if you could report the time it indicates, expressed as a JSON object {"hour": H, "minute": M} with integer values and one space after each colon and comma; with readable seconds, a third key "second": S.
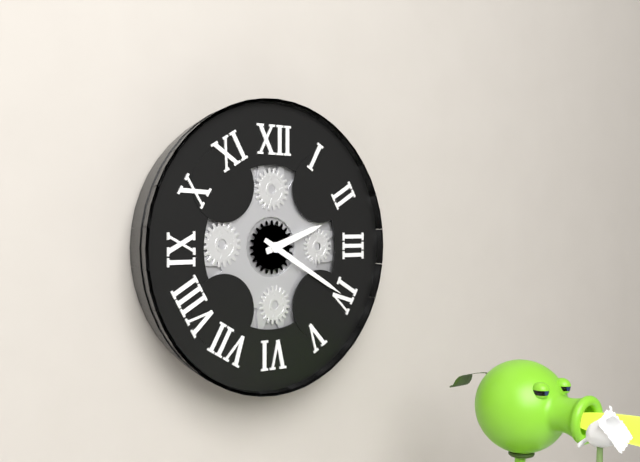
{"hour": 2, "minute": 20}
